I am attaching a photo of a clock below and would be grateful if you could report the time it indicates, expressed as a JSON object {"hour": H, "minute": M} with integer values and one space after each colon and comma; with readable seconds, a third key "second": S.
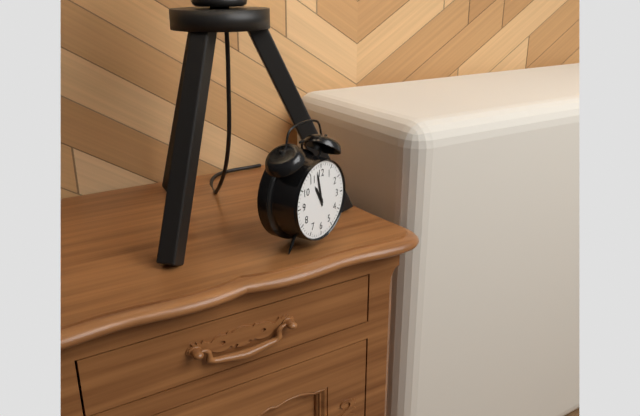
{"hour": 10, "minute": 58}
